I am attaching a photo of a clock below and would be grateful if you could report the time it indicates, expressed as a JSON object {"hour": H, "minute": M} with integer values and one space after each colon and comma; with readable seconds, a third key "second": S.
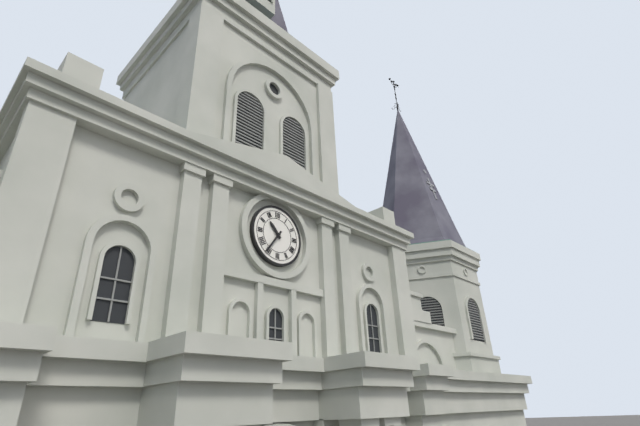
{"hour": 10, "minute": 36}
